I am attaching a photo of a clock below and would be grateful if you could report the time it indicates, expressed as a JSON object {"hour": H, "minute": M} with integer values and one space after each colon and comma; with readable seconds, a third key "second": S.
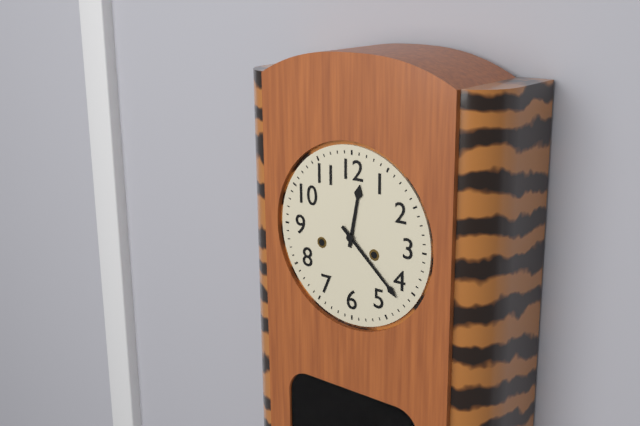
{"hour": 12, "minute": 22}
